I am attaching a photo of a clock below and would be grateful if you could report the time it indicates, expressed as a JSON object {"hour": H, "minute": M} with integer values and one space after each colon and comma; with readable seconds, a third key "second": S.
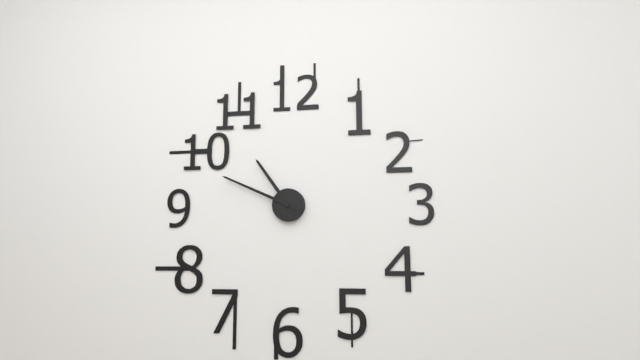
{"hour": 10, "minute": 49}
